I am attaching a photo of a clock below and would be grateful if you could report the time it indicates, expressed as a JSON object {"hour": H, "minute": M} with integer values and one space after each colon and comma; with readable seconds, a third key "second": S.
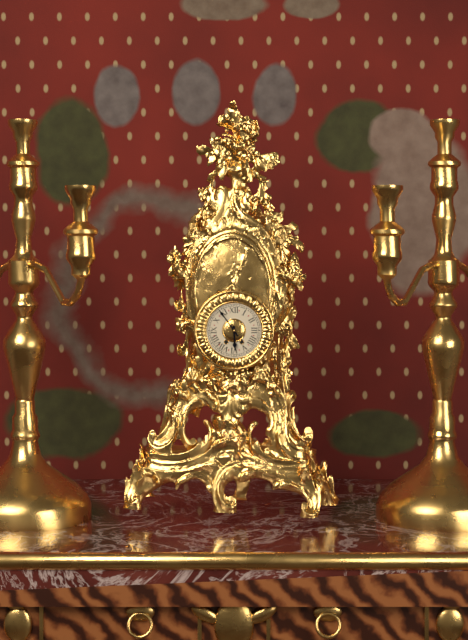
{"hour": 5, "minute": 54}
